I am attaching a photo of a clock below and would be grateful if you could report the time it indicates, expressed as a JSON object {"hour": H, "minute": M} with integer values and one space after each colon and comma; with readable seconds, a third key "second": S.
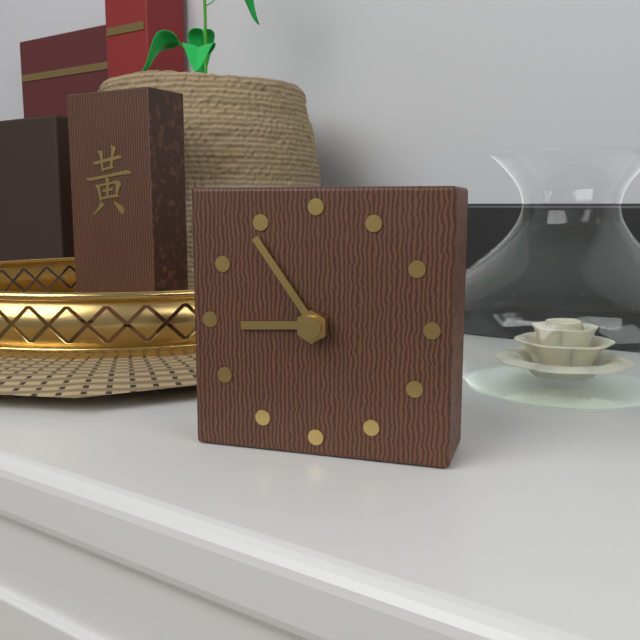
{"hour": 8, "minute": 54}
